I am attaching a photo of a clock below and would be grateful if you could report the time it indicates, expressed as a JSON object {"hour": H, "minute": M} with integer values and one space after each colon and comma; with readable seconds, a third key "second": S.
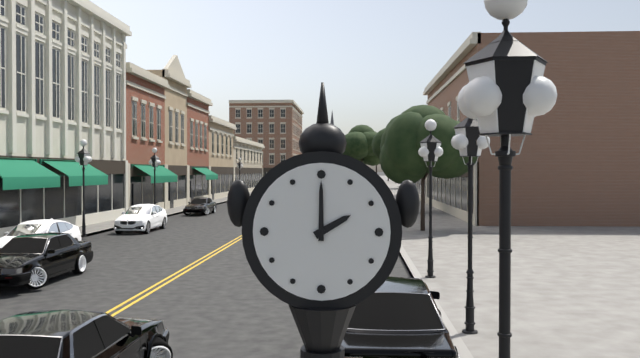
{"hour": 2, "minute": 0}
